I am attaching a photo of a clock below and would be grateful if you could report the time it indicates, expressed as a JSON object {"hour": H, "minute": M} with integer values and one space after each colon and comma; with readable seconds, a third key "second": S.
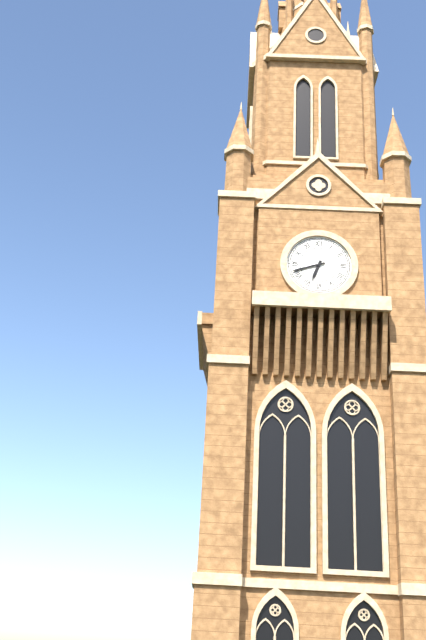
{"hour": 6, "minute": 42}
